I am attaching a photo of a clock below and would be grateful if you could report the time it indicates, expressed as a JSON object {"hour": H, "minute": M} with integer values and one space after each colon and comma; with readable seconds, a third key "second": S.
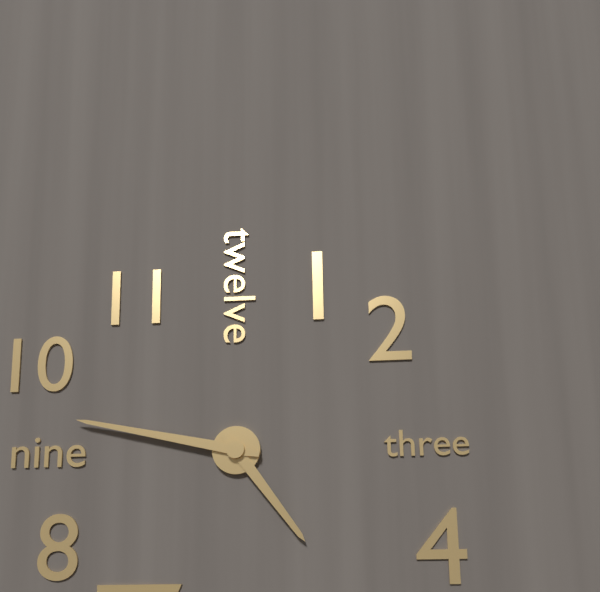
{"hour": 4, "minute": 47}
